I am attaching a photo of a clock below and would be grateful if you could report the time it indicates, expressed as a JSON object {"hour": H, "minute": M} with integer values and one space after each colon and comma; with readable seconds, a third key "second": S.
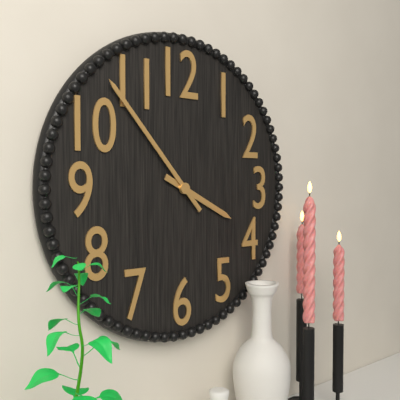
{"hour": 3, "minute": 53}
